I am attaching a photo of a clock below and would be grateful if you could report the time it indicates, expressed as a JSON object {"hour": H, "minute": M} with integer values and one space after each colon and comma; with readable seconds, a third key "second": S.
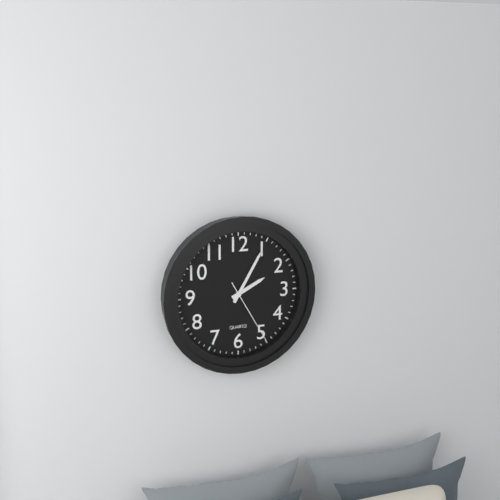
{"hour": 2, "minute": 5, "second": 25}
